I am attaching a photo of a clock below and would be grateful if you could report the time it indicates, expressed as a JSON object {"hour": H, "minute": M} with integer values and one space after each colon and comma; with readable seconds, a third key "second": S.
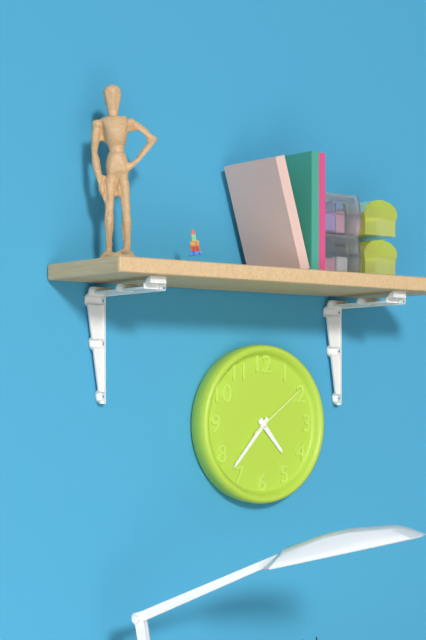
{"hour": 4, "minute": 37, "second": 9}
